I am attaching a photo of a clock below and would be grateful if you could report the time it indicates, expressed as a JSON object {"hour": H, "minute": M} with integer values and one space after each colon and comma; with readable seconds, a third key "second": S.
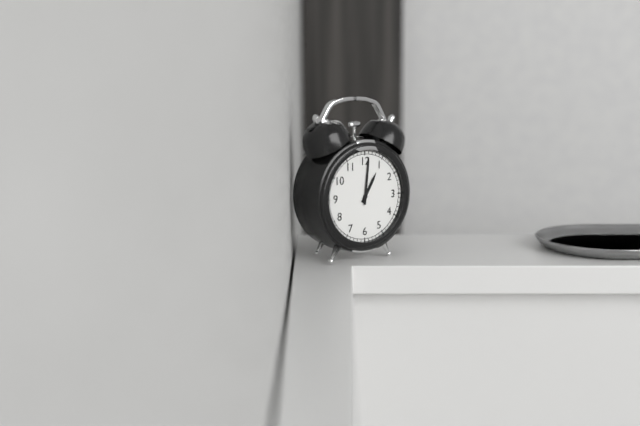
{"hour": 1, "minute": 1}
